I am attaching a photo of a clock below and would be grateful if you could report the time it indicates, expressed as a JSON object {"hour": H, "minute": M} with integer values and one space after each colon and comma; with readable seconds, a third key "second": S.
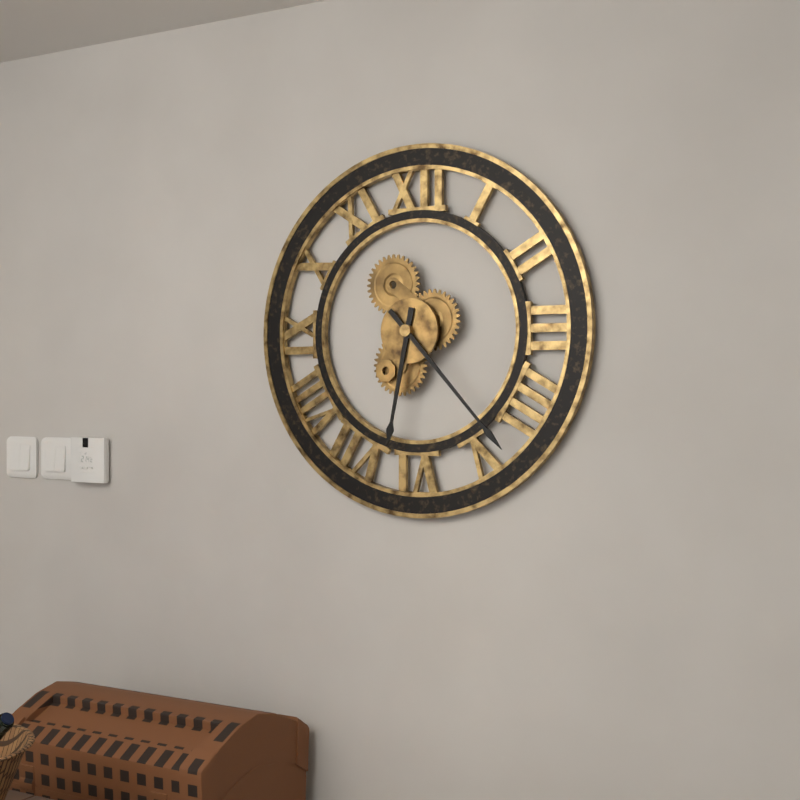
{"hour": 6, "minute": 23}
